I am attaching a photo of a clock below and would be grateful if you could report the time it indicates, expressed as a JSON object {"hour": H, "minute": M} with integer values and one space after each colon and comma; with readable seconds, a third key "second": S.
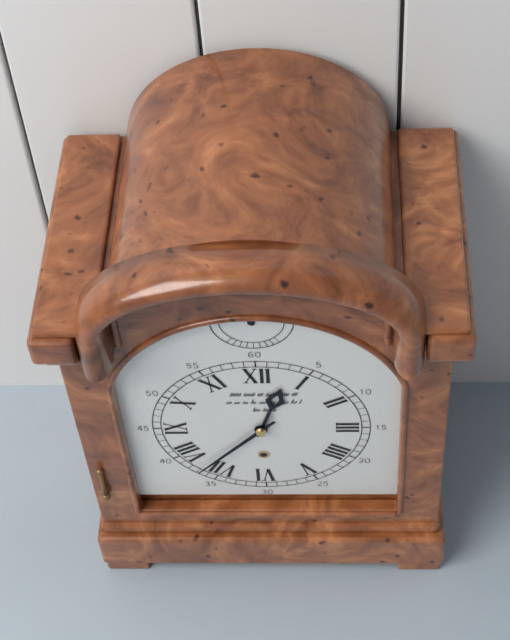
{"hour": 12, "minute": 37}
